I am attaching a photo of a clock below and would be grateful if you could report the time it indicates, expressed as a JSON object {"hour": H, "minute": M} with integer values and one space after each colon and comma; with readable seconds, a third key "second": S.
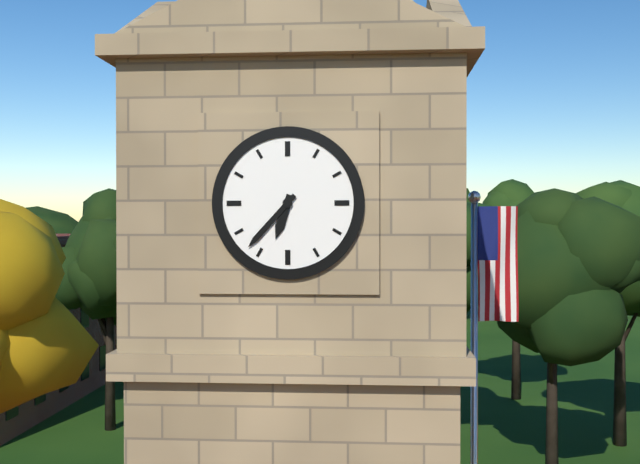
{"hour": 6, "minute": 37}
